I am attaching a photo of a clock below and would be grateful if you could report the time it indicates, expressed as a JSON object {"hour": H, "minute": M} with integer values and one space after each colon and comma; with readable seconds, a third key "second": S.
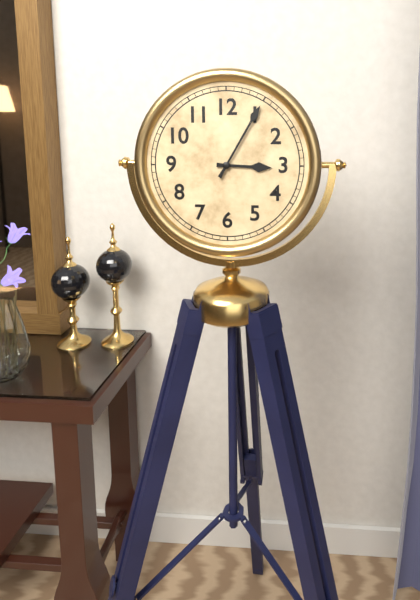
{"hour": 3, "minute": 5}
